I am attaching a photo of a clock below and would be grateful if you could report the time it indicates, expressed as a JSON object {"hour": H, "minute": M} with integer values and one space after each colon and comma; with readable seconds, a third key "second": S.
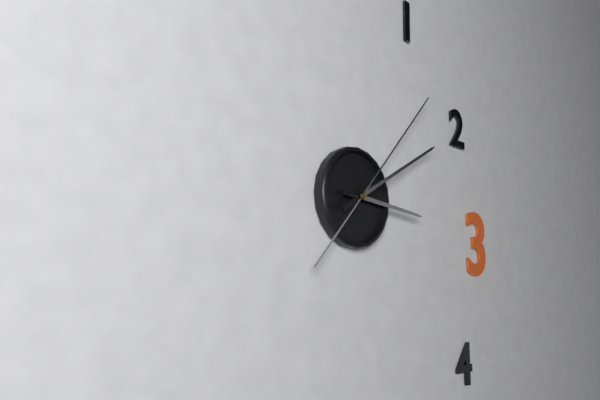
{"hour": 3, "minute": 10, "second": 7}
